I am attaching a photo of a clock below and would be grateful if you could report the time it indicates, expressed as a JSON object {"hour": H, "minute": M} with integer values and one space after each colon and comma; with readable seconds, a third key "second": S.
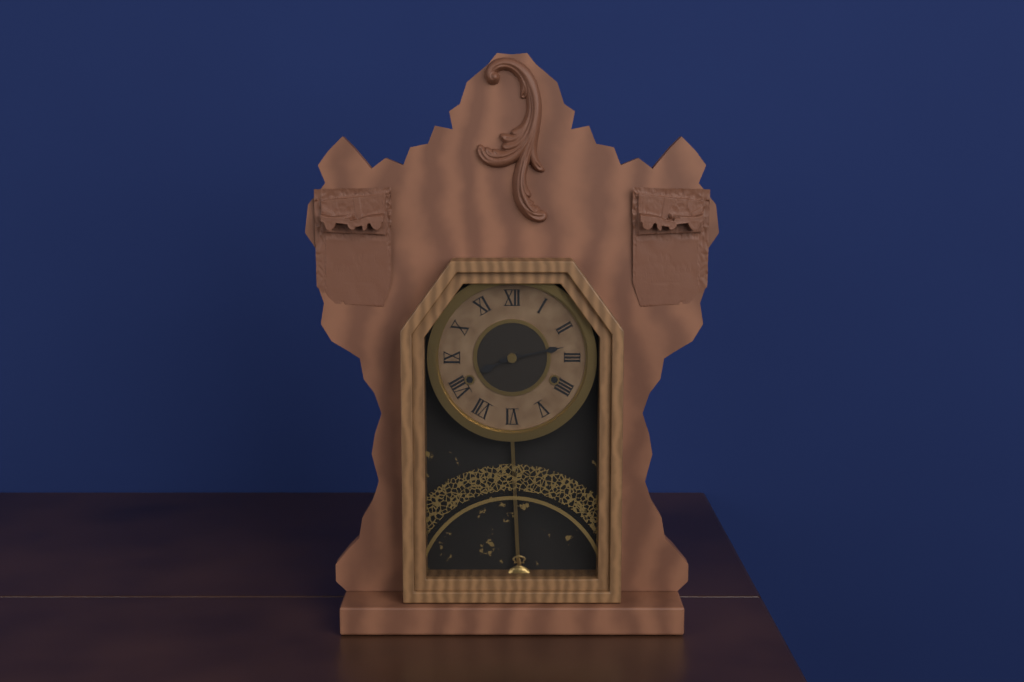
{"hour": 8, "minute": 13}
